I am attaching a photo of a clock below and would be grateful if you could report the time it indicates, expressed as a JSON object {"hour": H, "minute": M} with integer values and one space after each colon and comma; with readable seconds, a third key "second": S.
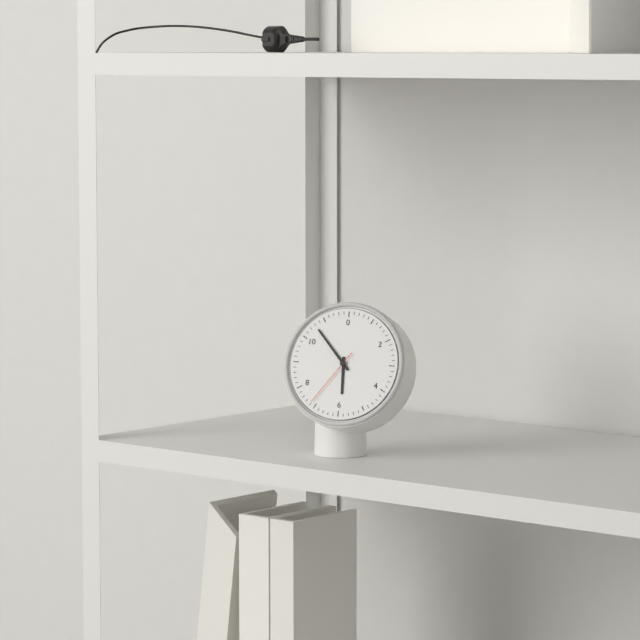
{"hour": 5, "minute": 53, "second": 36}
